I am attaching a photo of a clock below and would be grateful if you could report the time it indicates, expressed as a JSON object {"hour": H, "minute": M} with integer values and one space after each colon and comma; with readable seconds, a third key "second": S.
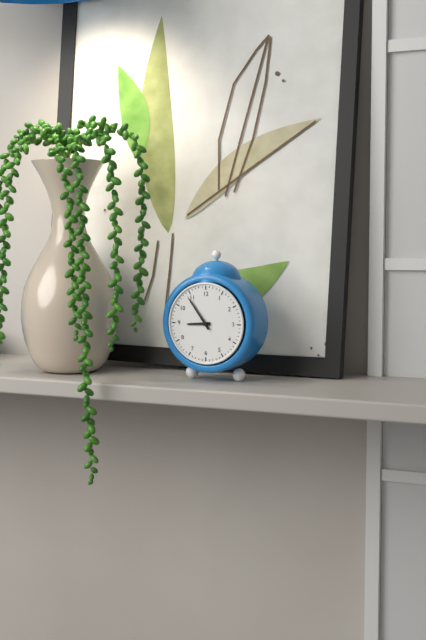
{"hour": 8, "minute": 54}
